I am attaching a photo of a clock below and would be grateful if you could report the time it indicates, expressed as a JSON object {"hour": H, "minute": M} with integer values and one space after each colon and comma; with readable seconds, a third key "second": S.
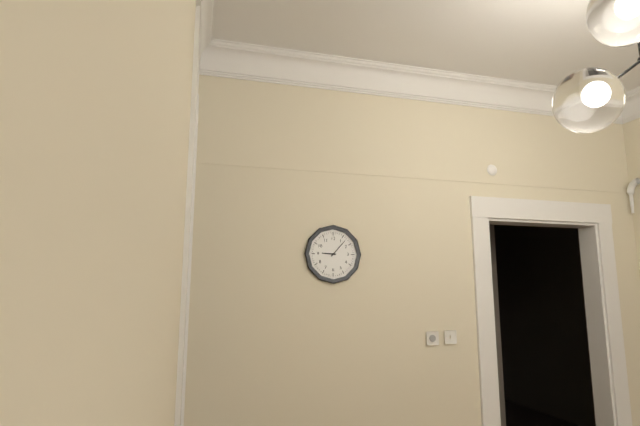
{"hour": 9, "minute": 7}
